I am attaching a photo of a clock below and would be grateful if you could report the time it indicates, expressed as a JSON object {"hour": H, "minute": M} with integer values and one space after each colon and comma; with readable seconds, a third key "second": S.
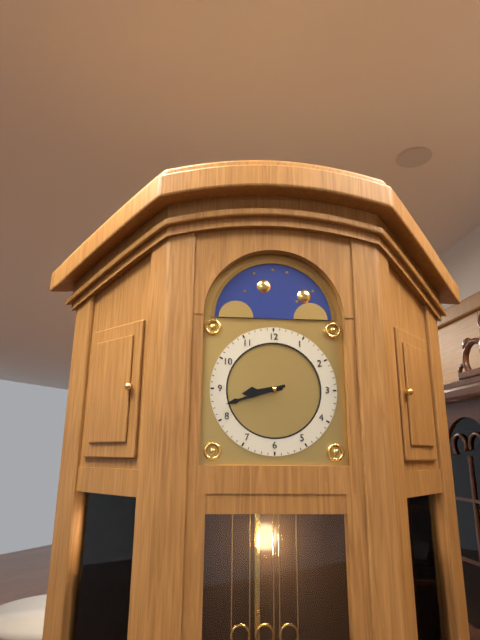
{"hour": 8, "minute": 42}
